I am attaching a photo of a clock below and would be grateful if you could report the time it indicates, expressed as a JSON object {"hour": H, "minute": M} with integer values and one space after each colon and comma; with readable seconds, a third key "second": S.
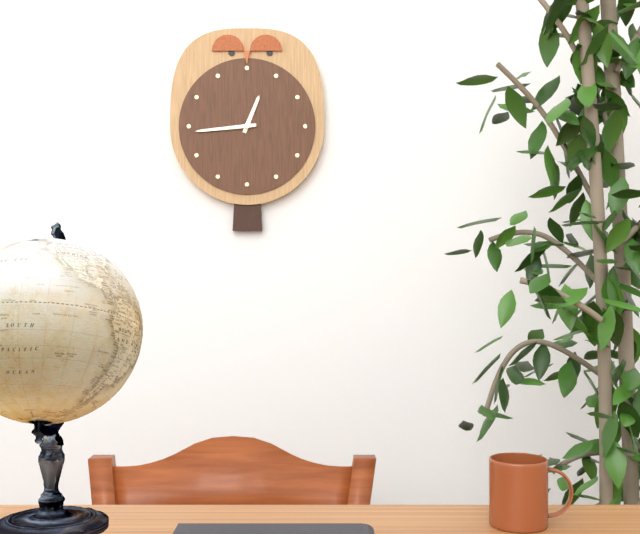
{"hour": 12, "minute": 44}
